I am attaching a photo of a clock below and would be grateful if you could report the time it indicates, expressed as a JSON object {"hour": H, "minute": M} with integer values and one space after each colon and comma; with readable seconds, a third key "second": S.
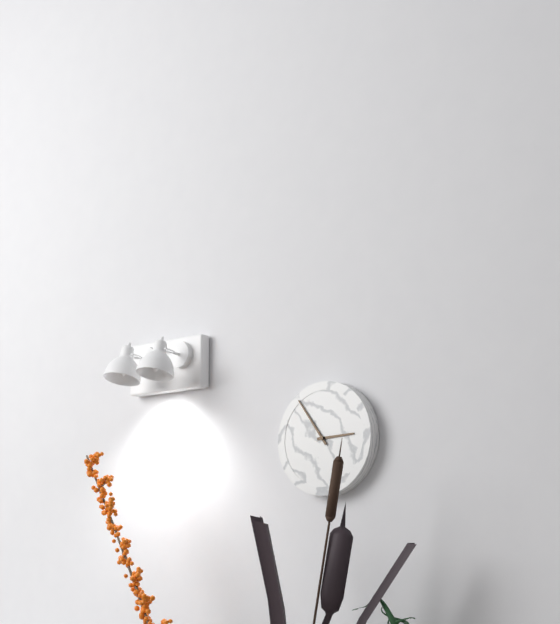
{"hour": 2, "minute": 54}
